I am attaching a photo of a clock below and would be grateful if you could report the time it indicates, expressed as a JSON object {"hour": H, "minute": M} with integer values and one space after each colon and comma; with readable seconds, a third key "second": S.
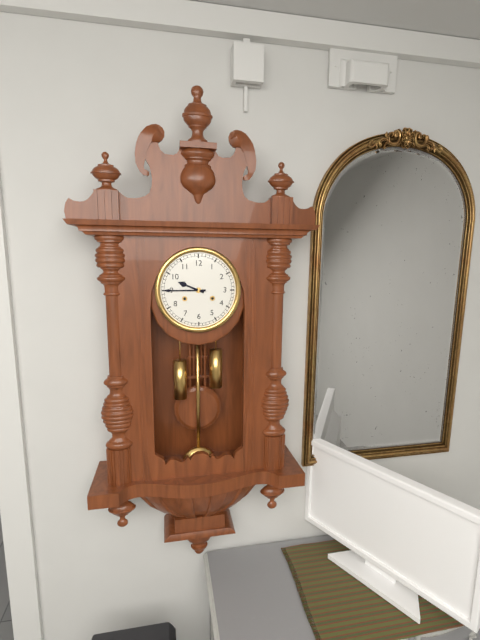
{"hour": 9, "minute": 45}
